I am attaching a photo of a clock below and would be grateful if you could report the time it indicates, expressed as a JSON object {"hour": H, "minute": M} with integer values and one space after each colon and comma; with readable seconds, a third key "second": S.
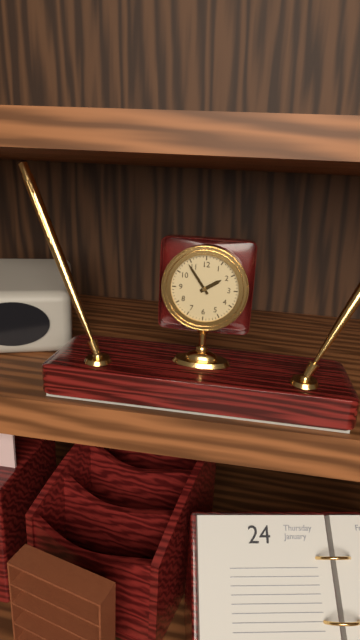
{"hour": 1, "minute": 54}
